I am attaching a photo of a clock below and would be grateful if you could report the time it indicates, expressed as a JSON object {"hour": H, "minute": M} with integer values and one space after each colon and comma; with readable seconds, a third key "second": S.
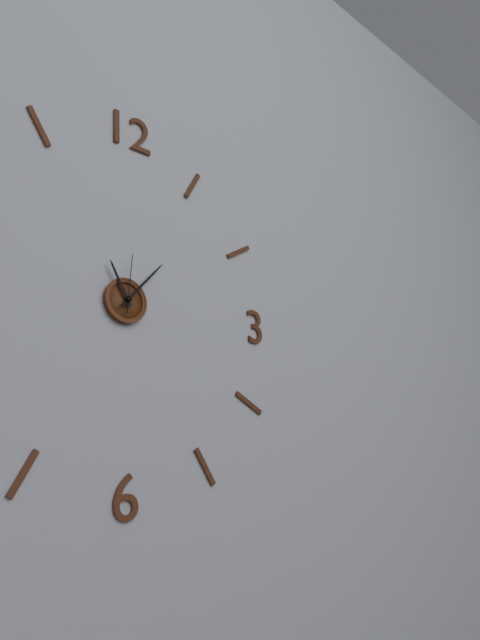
{"hour": 11, "minute": 7, "second": 1}
